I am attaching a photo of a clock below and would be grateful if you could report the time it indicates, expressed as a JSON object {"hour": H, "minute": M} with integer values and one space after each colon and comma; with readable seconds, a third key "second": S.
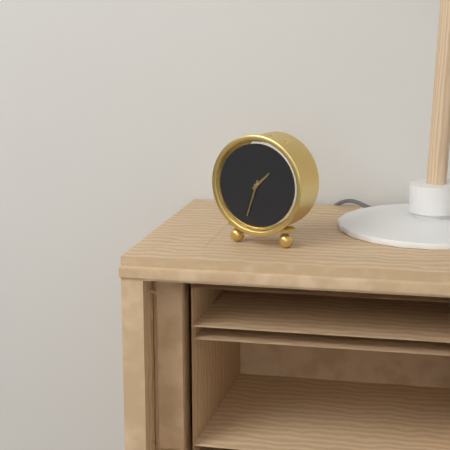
{"hour": 1, "minute": 33}
